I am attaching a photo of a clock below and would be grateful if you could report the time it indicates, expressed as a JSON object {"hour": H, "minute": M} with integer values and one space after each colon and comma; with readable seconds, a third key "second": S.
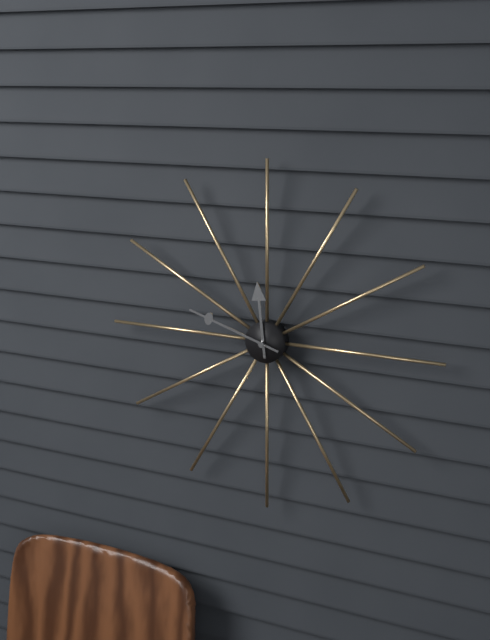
{"hour": 11, "minute": 48}
